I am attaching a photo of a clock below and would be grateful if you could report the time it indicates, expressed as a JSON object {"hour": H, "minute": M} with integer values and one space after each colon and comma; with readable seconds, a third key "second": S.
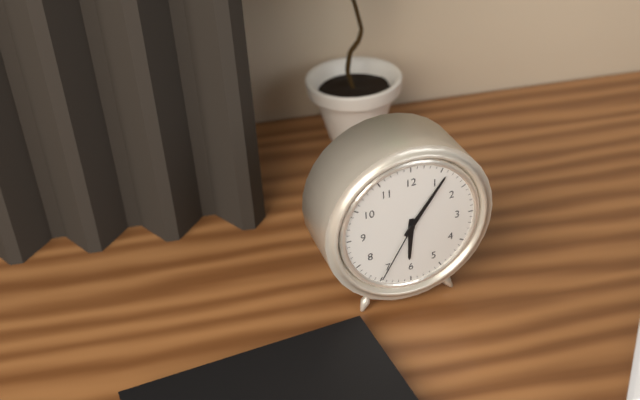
{"hour": 6, "minute": 6, "second": 35}
